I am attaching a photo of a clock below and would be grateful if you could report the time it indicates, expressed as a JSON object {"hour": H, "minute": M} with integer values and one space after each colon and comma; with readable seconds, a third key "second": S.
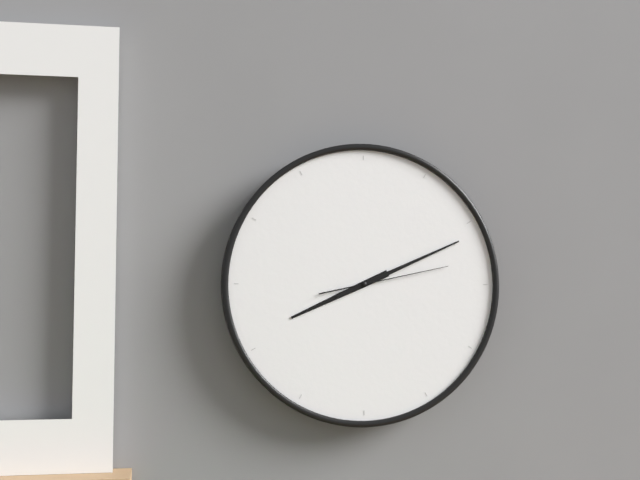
{"hour": 8, "minute": 11, "second": 13}
